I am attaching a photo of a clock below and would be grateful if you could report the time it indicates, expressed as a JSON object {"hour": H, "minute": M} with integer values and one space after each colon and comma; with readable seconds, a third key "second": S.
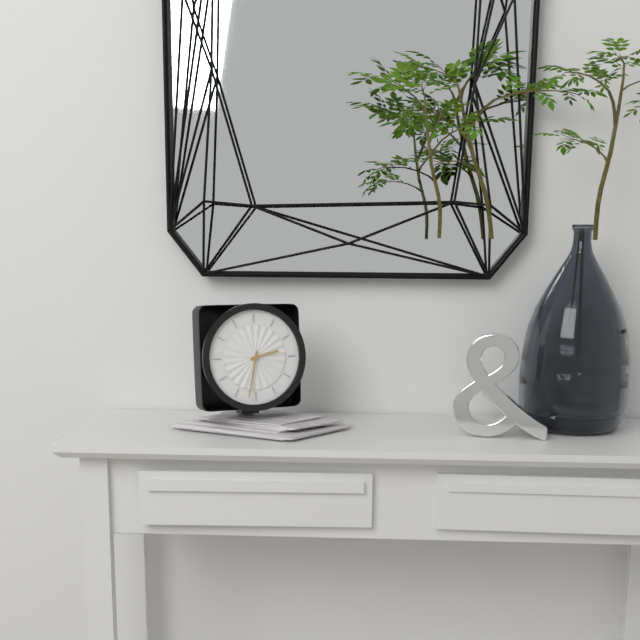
{"hour": 2, "minute": 32}
